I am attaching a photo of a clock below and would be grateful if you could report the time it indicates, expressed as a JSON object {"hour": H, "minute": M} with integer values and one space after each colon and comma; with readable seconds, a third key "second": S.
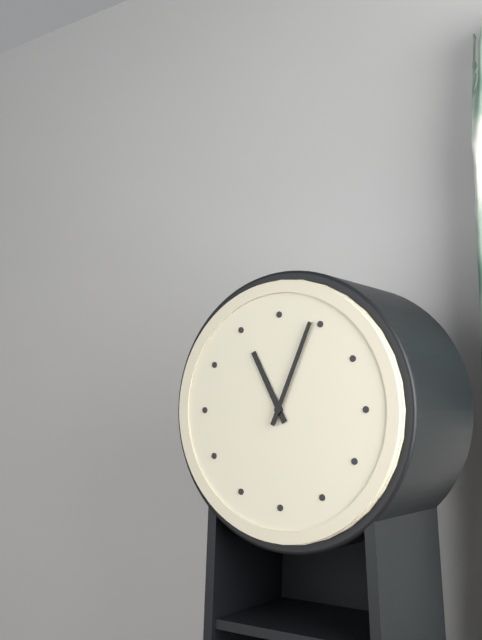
{"hour": 11, "minute": 4}
